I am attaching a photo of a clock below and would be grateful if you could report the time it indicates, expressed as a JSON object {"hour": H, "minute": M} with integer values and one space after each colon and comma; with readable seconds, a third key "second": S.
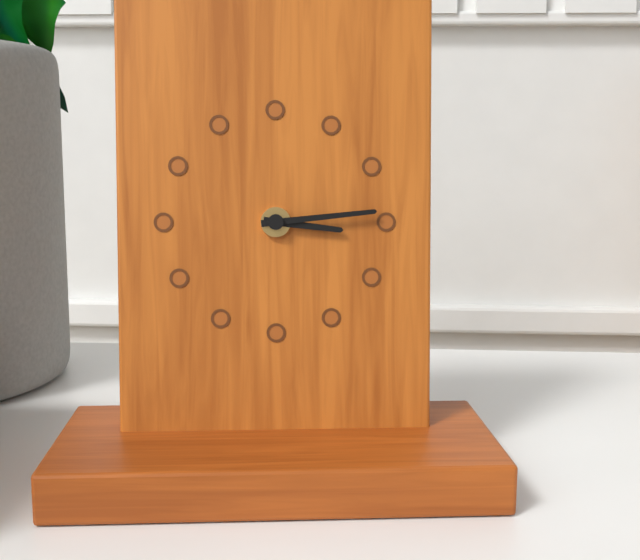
{"hour": 3, "minute": 14}
